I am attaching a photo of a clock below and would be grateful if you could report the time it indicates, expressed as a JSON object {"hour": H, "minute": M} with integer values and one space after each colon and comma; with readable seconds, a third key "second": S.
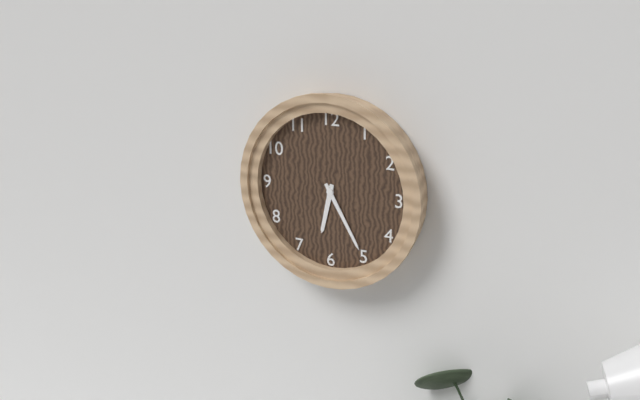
{"hour": 6, "minute": 25}
